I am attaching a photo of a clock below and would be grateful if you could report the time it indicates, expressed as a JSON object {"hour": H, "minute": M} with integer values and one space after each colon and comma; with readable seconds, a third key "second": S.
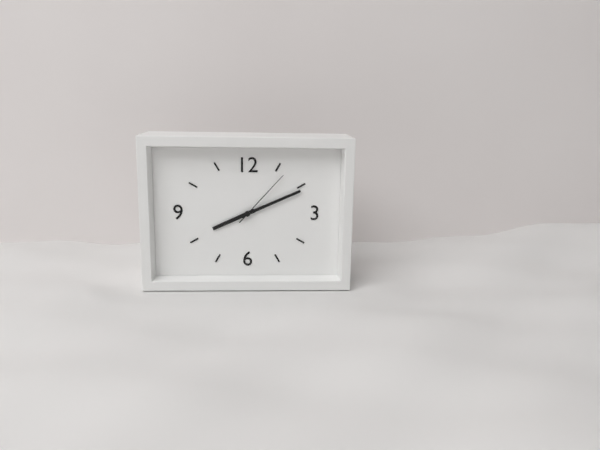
{"hour": 8, "minute": 11, "second": 7}
